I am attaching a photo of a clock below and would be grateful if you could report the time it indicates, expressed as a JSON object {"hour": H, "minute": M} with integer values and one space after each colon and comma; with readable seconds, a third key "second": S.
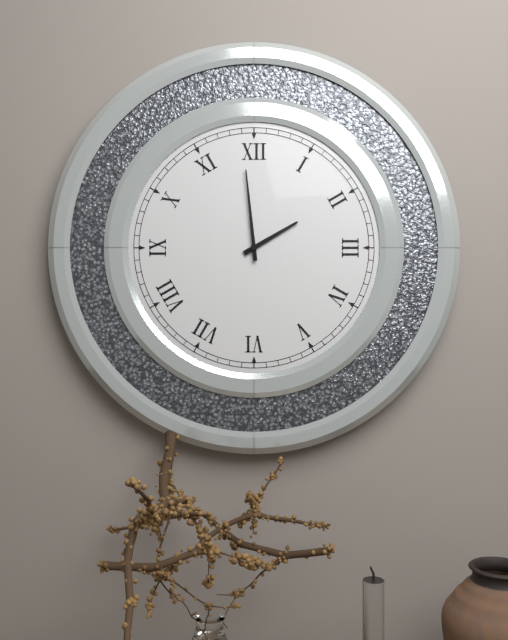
{"hour": 1, "minute": 59}
